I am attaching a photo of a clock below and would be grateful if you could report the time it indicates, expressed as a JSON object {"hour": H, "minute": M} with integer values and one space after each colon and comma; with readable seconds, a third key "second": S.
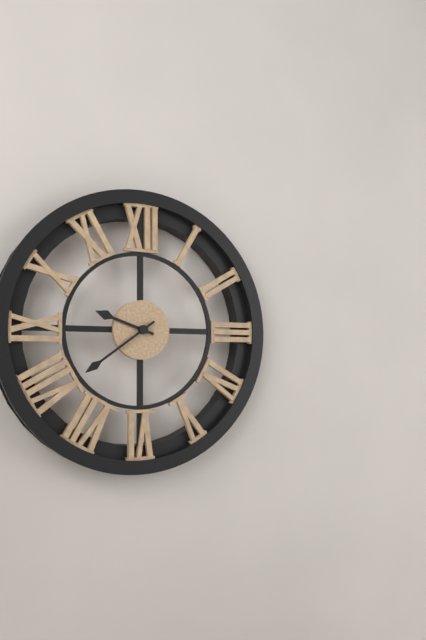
{"hour": 9, "minute": 39}
